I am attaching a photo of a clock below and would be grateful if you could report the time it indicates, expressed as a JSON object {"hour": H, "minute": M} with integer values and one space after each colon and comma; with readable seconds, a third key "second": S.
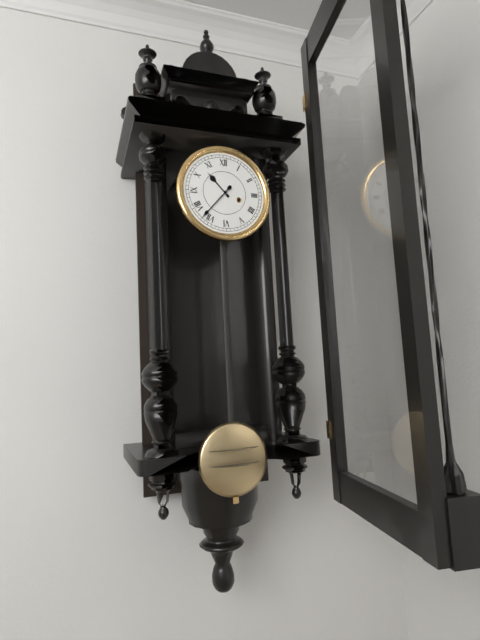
{"hour": 10, "minute": 37}
